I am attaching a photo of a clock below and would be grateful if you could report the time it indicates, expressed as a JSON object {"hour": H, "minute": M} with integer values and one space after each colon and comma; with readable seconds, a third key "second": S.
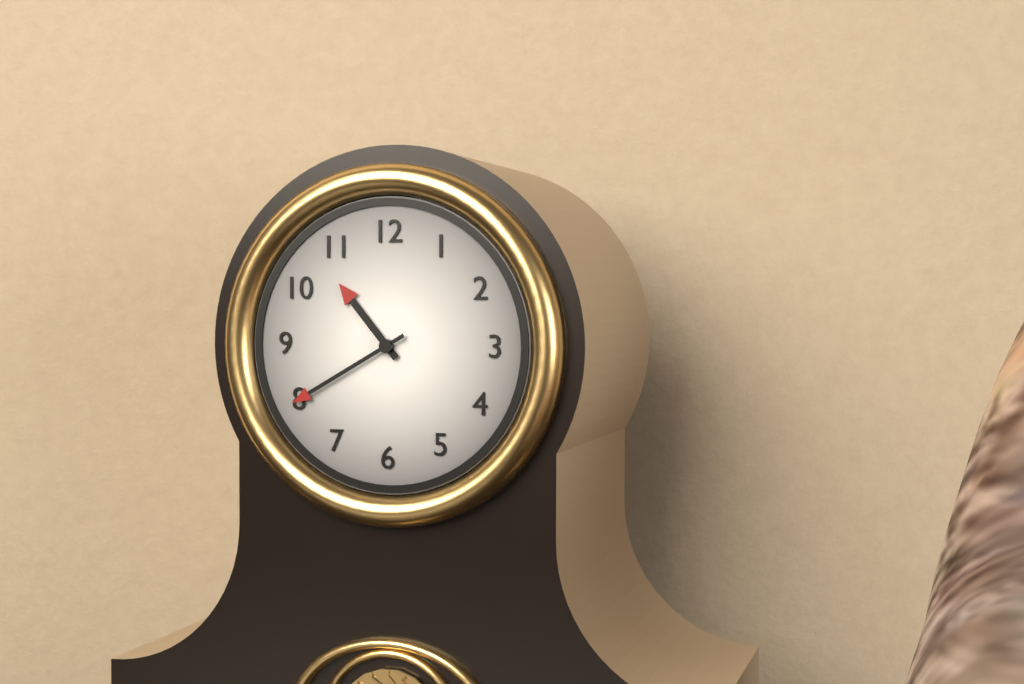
{"hour": 10, "minute": 40}
